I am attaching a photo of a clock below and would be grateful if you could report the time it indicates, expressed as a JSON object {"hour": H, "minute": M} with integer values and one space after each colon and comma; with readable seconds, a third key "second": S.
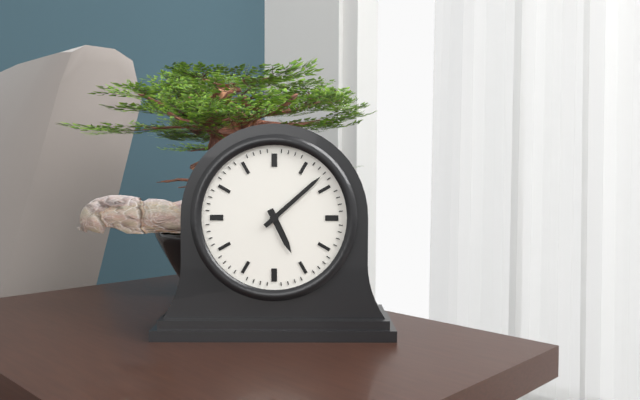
{"hour": 5, "minute": 8}
